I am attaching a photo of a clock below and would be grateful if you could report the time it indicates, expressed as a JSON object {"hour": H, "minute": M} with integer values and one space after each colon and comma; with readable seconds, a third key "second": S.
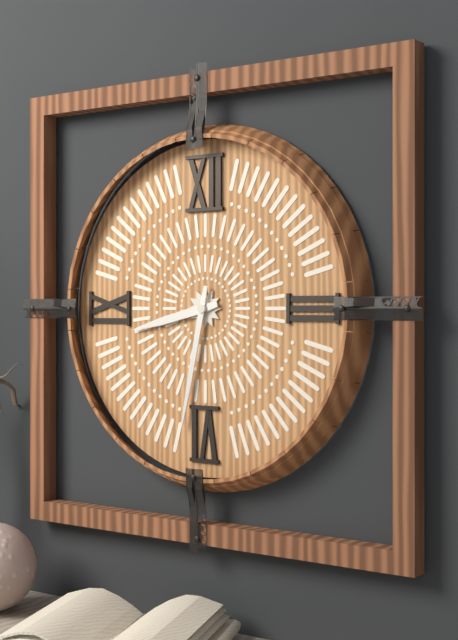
{"hour": 8, "minute": 32}
